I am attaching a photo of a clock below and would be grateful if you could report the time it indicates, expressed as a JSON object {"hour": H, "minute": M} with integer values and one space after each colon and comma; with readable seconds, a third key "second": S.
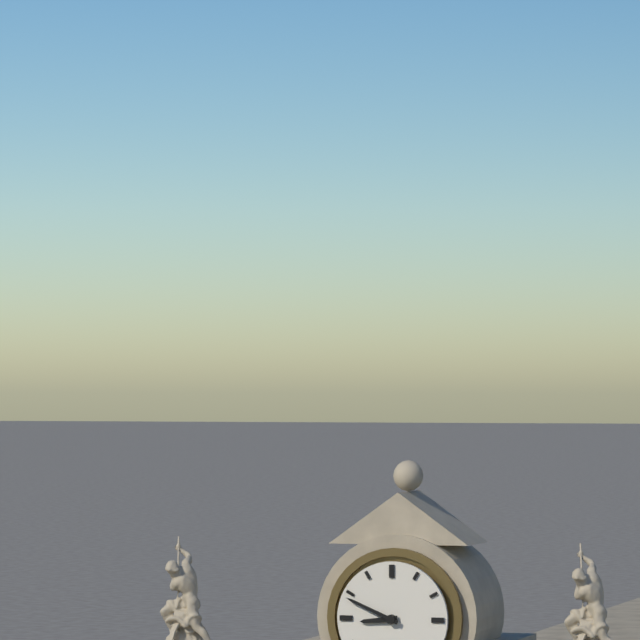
{"hour": 8, "minute": 49}
